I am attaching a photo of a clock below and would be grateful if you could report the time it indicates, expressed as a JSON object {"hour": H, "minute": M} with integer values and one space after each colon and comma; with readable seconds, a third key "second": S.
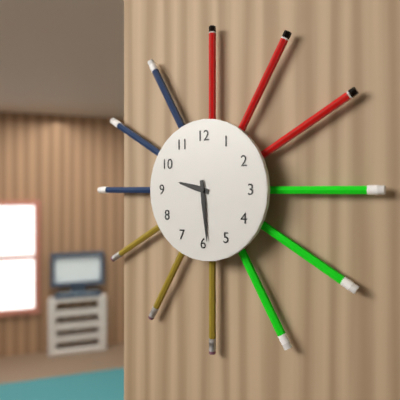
{"hour": 9, "minute": 29}
